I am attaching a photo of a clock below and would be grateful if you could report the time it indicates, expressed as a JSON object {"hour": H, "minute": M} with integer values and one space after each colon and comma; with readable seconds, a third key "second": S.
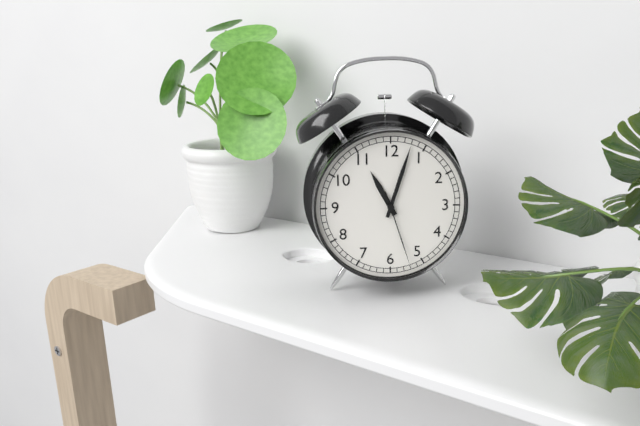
{"hour": 11, "minute": 3, "second": 27}
